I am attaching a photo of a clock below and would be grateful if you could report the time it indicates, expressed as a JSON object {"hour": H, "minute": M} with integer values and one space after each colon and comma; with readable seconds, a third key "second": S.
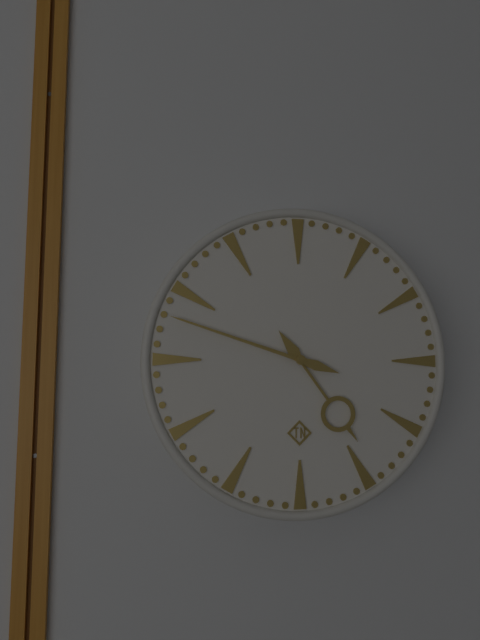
{"hour": 4, "minute": 48}
